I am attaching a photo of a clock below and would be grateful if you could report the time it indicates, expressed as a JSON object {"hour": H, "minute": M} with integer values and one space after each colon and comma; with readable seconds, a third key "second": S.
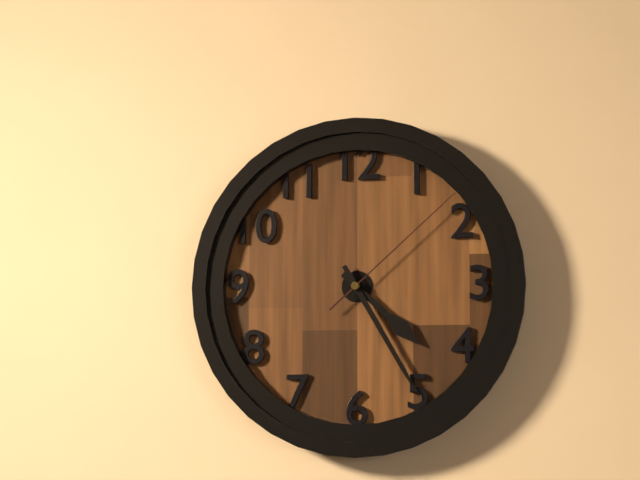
{"hour": 4, "minute": 25, "second": 8}
